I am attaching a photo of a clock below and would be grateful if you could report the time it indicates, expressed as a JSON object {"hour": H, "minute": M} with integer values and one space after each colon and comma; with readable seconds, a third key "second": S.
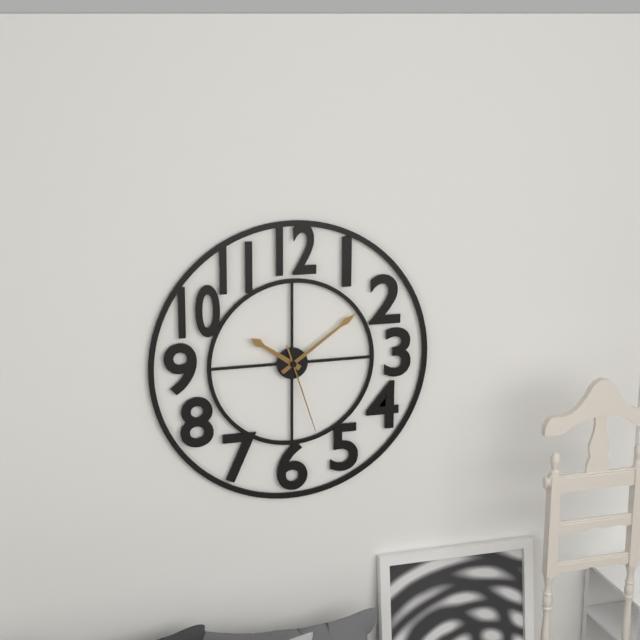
{"hour": 10, "minute": 9, "second": 27}
